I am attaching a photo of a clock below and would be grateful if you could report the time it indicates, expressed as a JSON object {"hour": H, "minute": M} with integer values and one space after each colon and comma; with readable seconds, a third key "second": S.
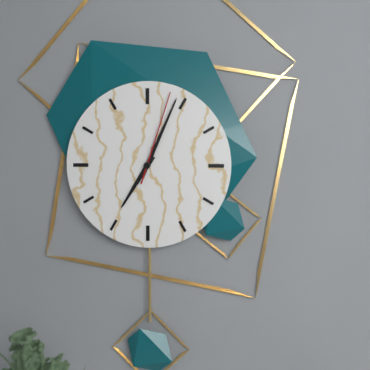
{"hour": 7, "minute": 4, "second": 3}
